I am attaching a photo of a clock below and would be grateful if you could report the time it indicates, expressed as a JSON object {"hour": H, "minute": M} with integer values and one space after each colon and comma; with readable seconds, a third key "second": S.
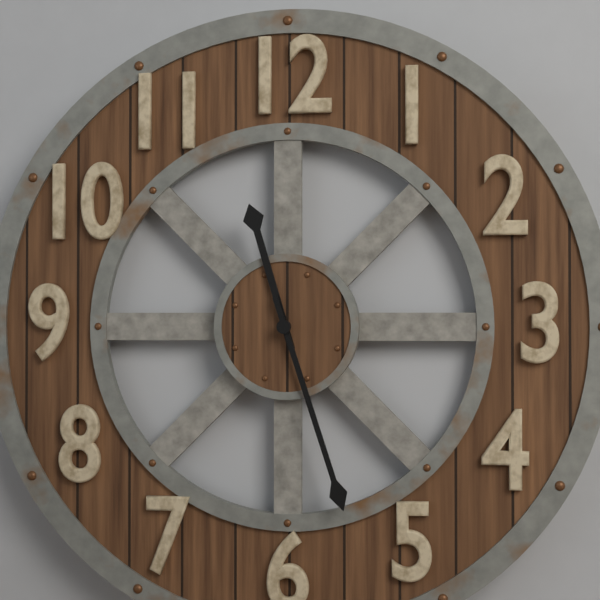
{"hour": 11, "minute": 27}
